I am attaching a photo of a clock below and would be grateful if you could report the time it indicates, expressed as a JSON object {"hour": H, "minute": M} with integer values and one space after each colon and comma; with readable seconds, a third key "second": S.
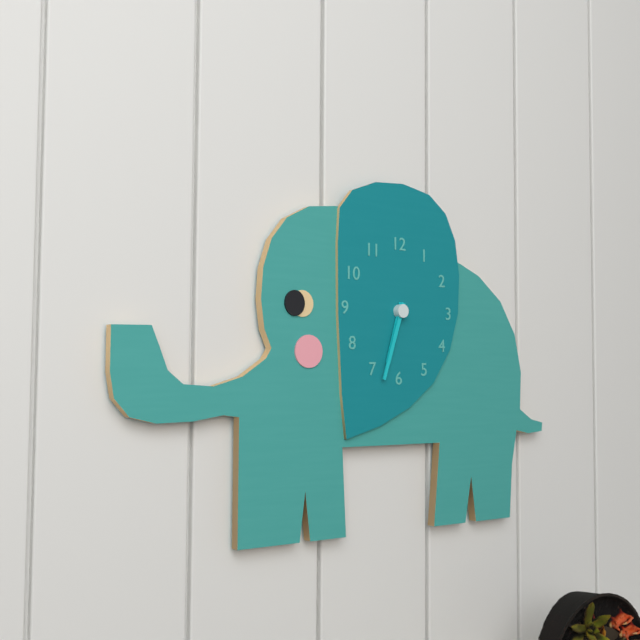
{"hour": 6, "minute": 33}
